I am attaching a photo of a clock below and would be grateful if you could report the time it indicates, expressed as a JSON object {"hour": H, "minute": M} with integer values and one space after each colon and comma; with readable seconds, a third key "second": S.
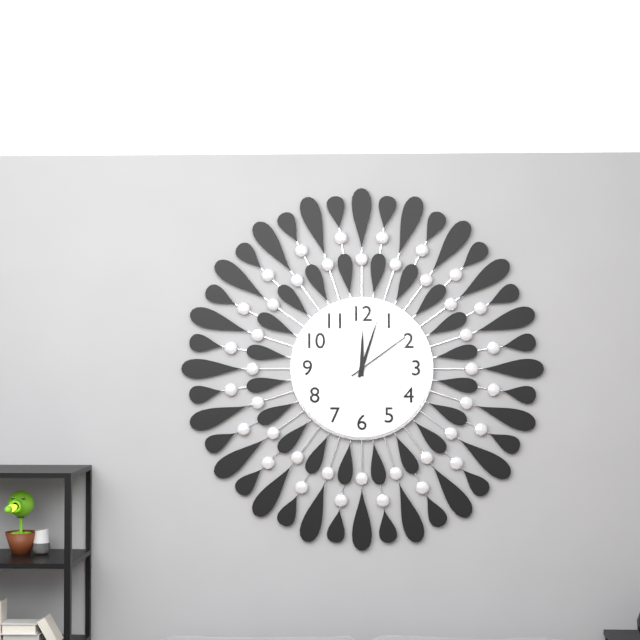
{"hour": 12, "minute": 3, "second": 9}
